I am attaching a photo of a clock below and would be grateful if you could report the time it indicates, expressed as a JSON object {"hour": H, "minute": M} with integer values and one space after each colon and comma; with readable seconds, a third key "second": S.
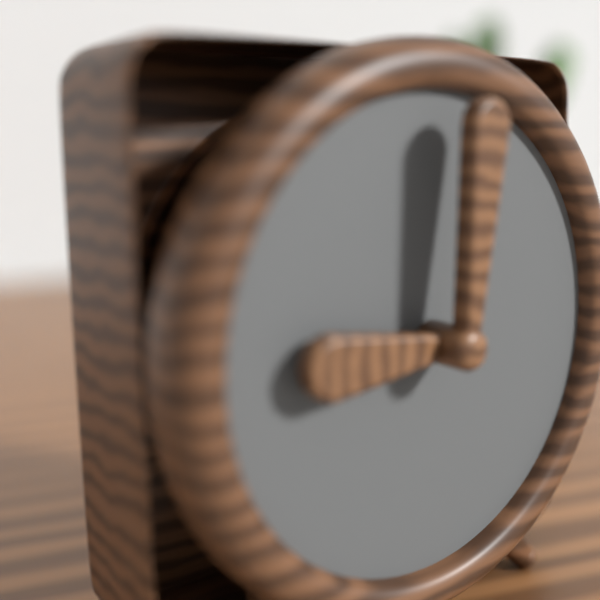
{"hour": 9, "minute": 1}
